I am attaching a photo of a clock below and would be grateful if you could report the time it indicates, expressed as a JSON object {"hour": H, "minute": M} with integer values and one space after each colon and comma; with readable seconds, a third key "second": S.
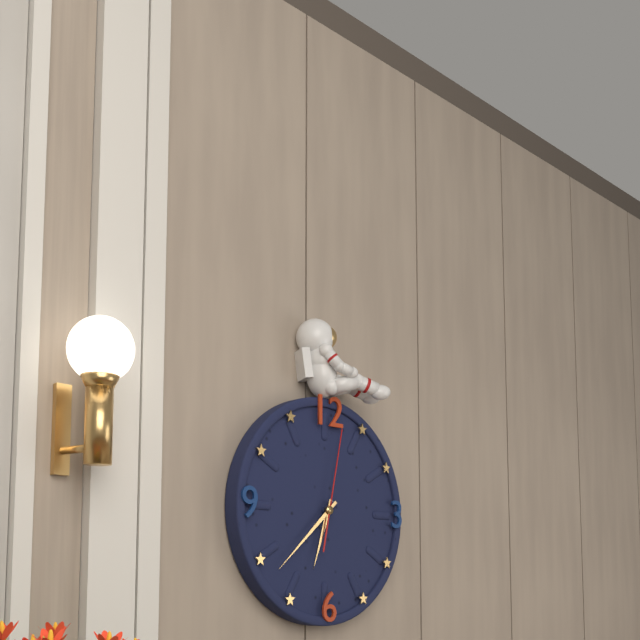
{"hour": 6, "minute": 38, "second": 2}
